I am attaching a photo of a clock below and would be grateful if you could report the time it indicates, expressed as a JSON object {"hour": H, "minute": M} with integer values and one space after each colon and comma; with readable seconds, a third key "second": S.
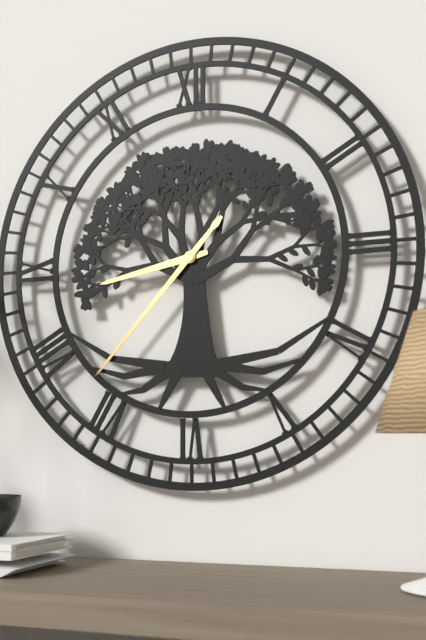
{"hour": 8, "minute": 37}
